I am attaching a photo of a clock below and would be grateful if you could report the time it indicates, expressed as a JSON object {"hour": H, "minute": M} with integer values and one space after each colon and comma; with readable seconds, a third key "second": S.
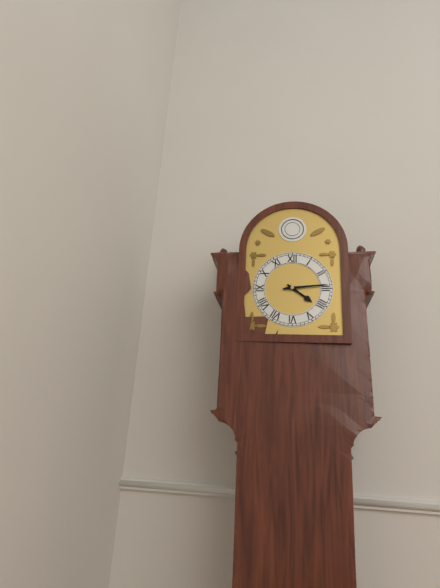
{"hour": 4, "minute": 14}
